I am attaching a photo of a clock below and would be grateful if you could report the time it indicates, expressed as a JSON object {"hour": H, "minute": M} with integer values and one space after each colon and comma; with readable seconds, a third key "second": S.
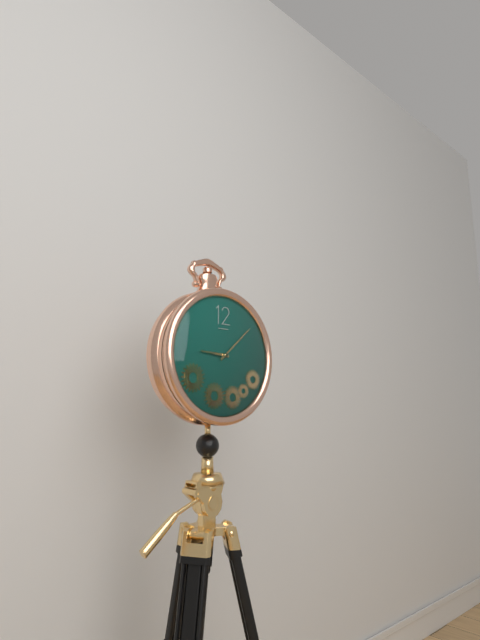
{"hour": 9, "minute": 8}
